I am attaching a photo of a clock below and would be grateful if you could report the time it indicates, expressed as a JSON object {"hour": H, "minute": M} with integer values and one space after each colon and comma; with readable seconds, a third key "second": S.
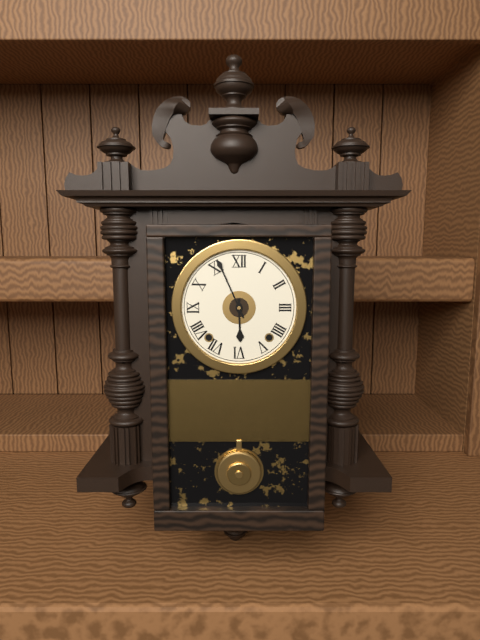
{"hour": 5, "minute": 56}
